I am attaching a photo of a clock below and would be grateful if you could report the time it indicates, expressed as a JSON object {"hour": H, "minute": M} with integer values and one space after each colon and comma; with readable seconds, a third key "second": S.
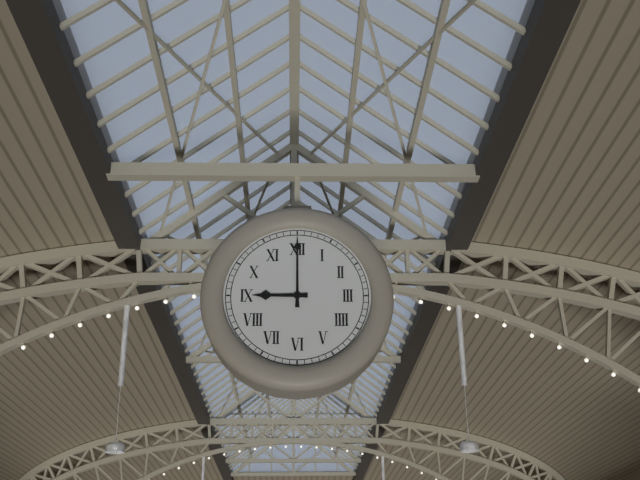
{"hour": 9, "minute": 0}
